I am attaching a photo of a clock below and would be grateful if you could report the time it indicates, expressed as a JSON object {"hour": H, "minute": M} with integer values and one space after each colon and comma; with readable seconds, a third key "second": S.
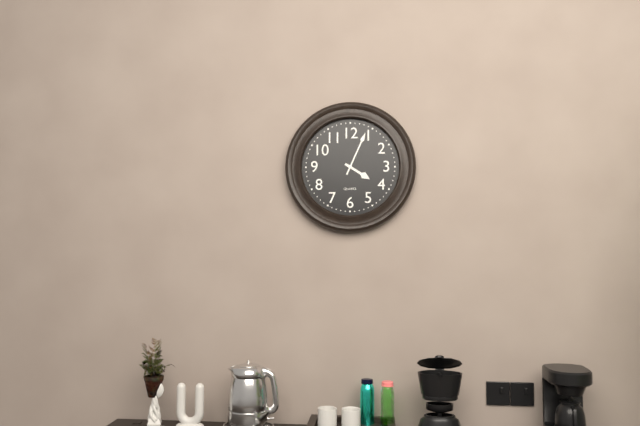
{"hour": 4, "minute": 4}
